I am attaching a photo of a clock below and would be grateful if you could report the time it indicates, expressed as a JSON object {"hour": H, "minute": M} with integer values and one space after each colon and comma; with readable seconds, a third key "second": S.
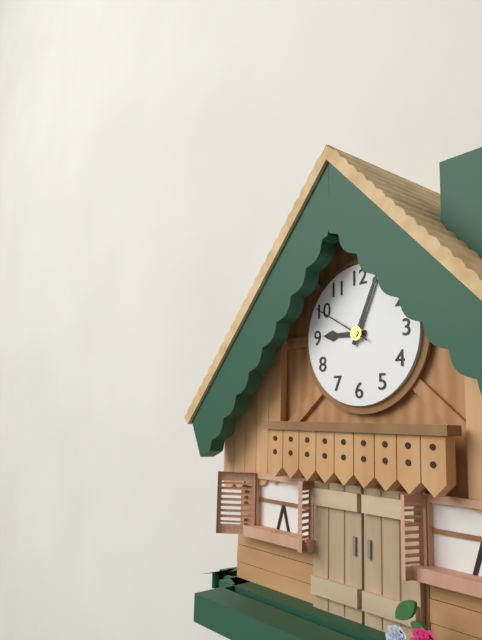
{"hour": 9, "minute": 4, "second": 50}
